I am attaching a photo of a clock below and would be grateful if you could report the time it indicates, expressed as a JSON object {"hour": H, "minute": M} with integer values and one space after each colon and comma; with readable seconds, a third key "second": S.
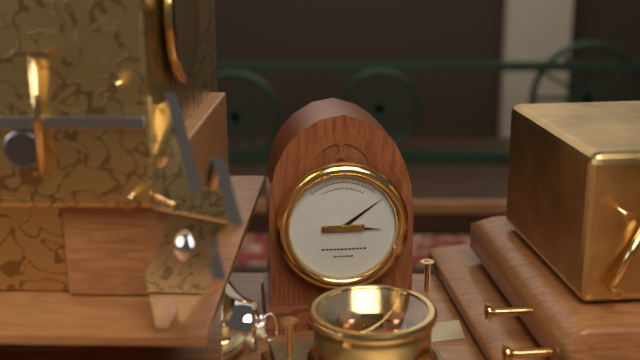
{"hour": 3, "minute": 9}
